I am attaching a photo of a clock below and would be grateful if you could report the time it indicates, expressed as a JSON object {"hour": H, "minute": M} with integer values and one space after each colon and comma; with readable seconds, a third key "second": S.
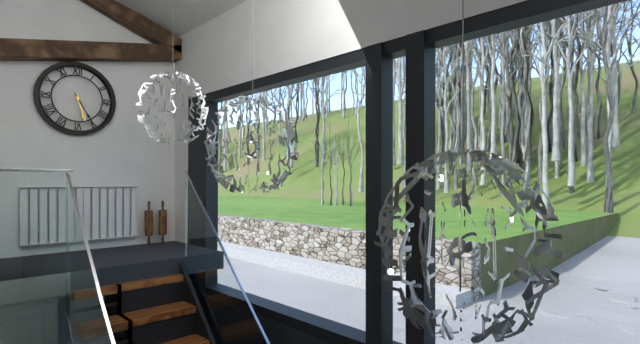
{"hour": 5, "minute": 25}
